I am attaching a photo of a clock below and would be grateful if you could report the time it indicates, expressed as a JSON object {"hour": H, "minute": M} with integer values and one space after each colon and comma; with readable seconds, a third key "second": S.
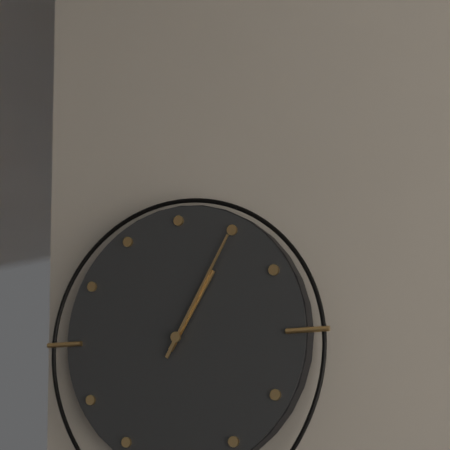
{"hour": 1, "minute": 5}
